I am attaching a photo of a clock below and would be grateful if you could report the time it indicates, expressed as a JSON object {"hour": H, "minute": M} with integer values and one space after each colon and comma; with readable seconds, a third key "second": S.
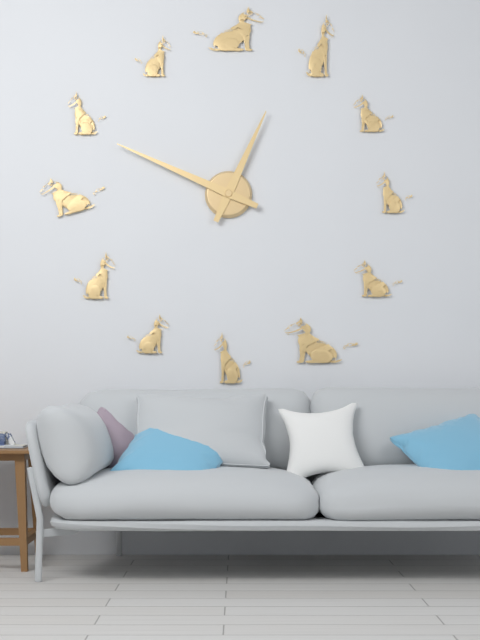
{"hour": 12, "minute": 49}
